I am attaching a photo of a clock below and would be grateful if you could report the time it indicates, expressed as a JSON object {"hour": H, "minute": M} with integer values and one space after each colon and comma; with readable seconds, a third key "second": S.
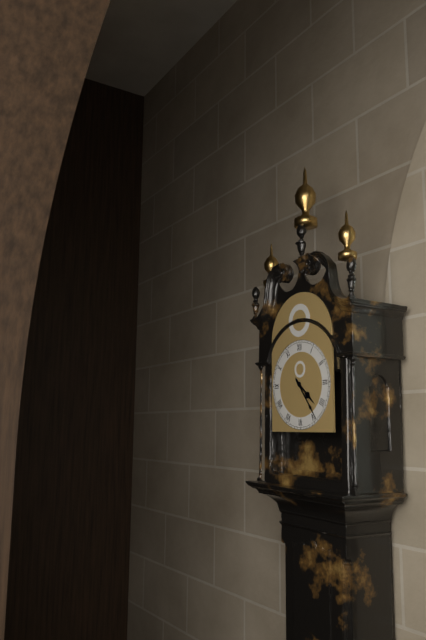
{"hour": 4, "minute": 24}
